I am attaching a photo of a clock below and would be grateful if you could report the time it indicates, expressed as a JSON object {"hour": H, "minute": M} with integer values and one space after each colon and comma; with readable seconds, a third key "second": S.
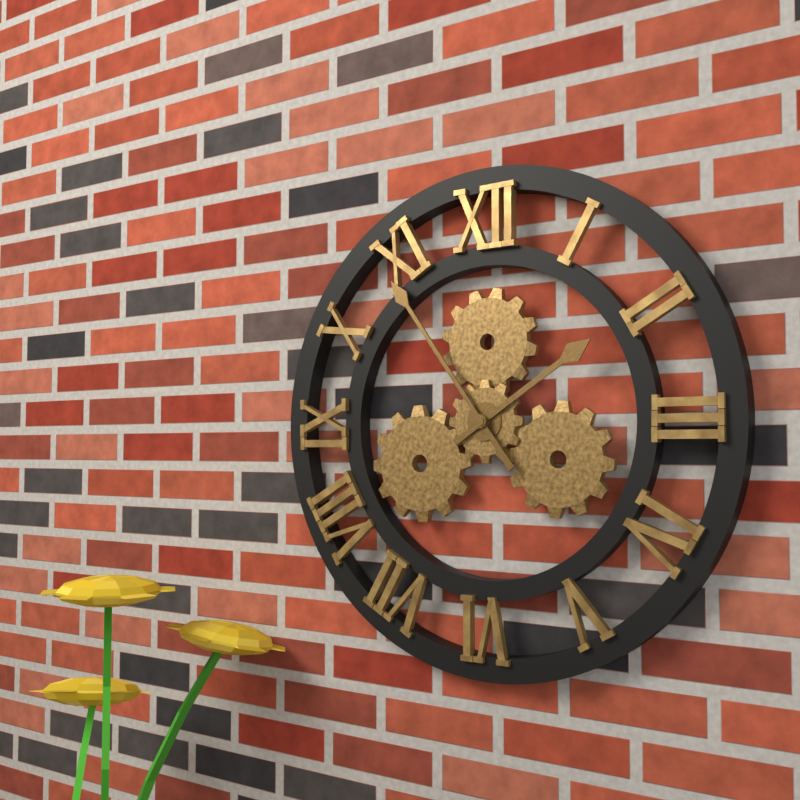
{"hour": 1, "minute": 54}
